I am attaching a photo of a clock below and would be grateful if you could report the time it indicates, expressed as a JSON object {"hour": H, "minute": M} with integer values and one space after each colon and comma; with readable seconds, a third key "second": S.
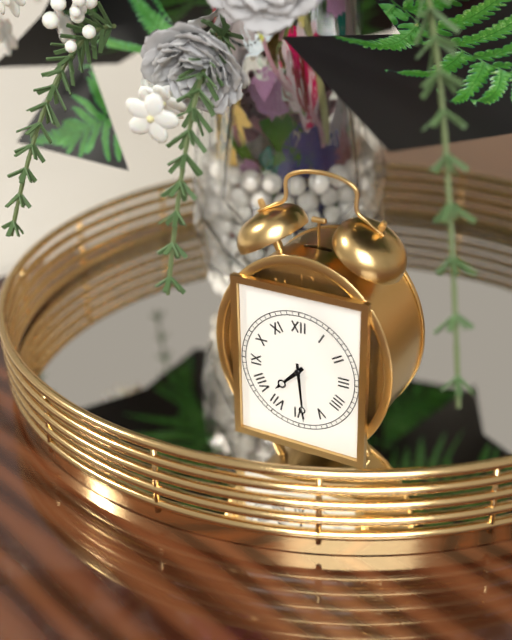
{"hour": 7, "minute": 29}
